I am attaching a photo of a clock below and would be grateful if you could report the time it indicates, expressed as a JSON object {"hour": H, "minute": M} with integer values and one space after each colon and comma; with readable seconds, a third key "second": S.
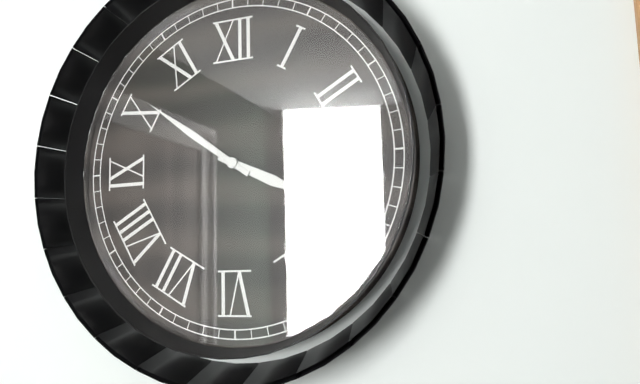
{"hour": 3, "minute": 51}
